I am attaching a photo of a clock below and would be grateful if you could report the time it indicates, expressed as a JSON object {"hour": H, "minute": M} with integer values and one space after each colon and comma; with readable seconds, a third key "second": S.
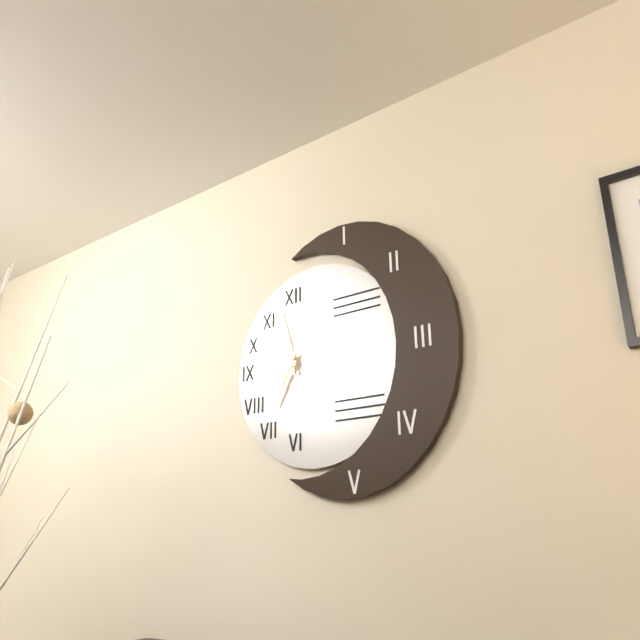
{"hour": 6, "minute": 57, "second": 5}
